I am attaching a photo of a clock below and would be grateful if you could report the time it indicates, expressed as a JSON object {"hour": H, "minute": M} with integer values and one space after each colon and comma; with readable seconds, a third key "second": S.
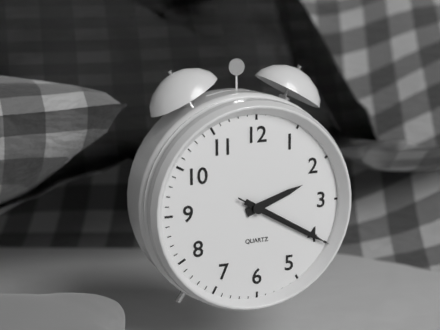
{"hour": 2, "minute": 20, "second": 20}
